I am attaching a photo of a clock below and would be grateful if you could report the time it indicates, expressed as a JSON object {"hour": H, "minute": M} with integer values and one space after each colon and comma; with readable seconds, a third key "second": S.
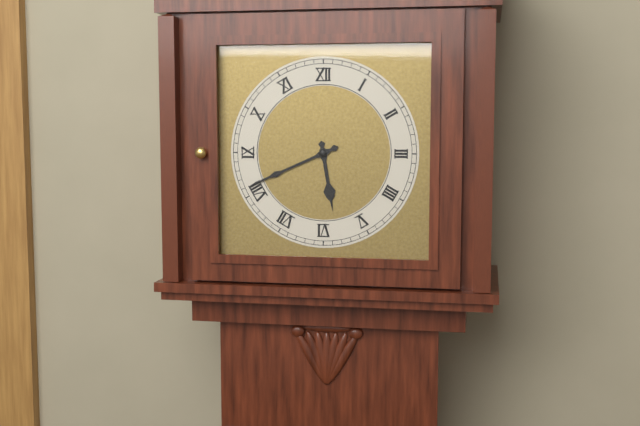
{"hour": 5, "minute": 41}
